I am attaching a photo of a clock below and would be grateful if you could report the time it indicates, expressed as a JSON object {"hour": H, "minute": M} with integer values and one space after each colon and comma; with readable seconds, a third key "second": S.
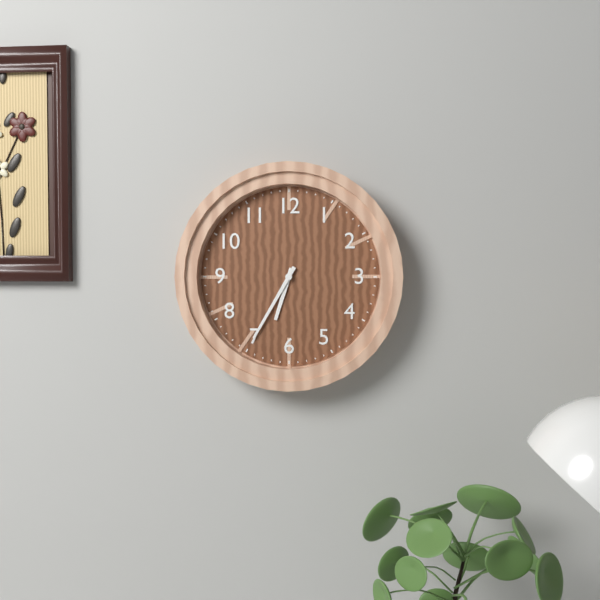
{"hour": 6, "minute": 35}
